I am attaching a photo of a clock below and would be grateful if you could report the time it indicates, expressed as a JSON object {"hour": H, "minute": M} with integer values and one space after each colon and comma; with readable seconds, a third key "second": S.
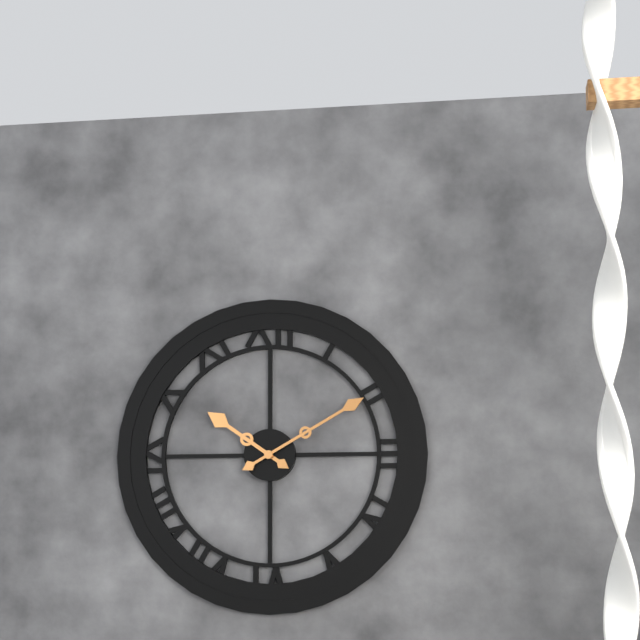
{"hour": 10, "minute": 10}
